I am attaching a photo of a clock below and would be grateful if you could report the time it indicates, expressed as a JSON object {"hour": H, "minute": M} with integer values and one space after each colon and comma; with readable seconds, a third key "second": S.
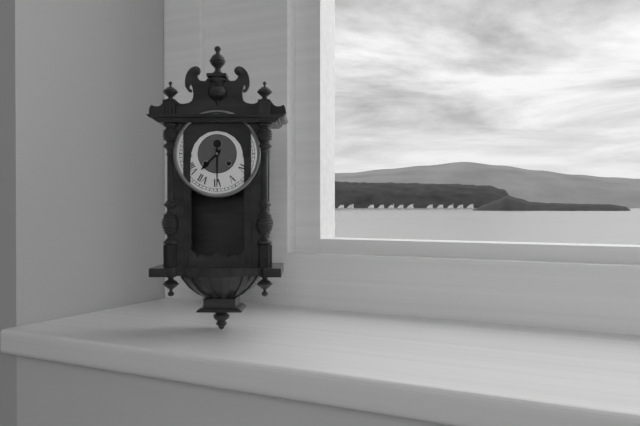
{"hour": 7, "minute": 30}
